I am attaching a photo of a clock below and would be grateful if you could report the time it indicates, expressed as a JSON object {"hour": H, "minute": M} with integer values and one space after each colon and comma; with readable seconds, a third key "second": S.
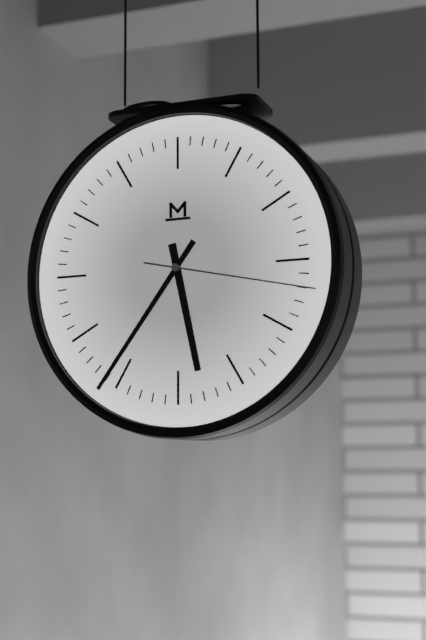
{"hour": 5, "minute": 36, "second": 17}
